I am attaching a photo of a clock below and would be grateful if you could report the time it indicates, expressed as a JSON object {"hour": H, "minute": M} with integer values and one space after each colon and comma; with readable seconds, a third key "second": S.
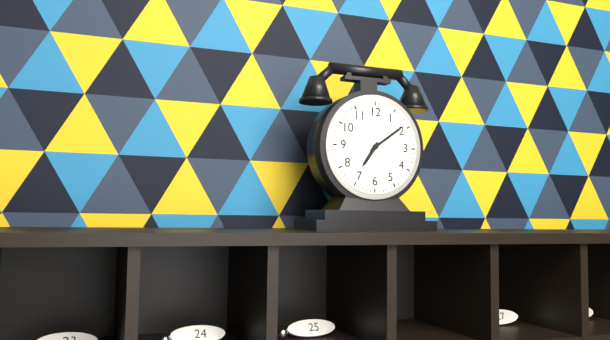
{"hour": 7, "minute": 9}
